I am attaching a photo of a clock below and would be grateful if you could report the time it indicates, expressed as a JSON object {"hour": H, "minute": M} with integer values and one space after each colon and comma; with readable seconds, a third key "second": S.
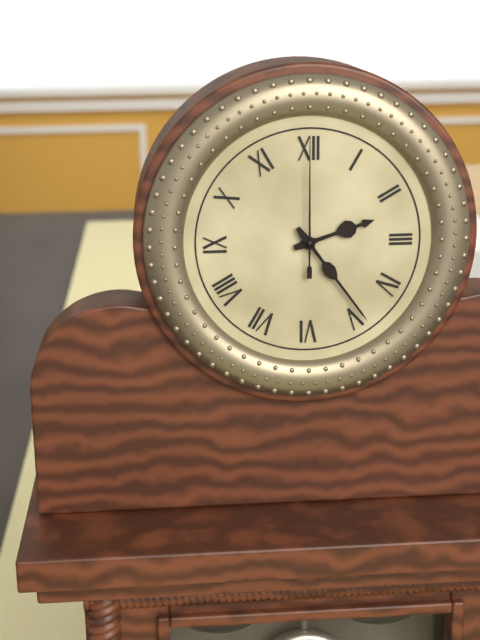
{"hour": 2, "minute": 24, "second": 0}
